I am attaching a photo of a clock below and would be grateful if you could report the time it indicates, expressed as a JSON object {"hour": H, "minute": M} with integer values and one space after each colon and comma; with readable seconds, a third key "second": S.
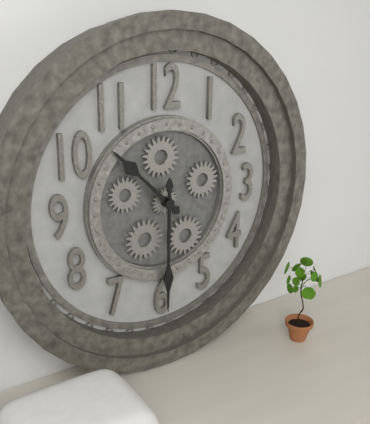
{"hour": 10, "minute": 30}
